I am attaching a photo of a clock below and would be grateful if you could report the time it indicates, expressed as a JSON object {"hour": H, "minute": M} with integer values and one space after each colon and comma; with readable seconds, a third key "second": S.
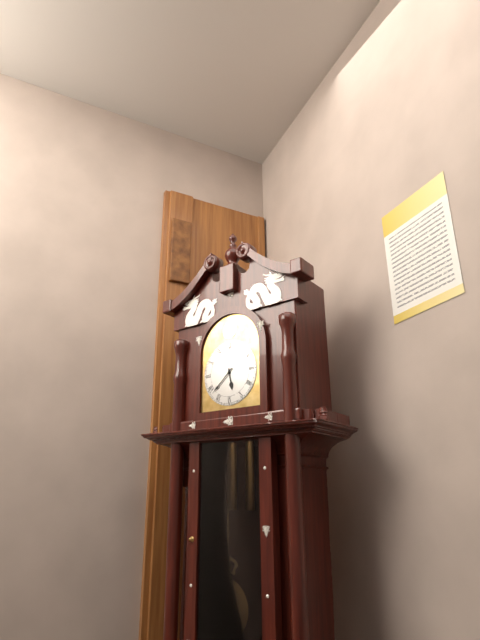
{"hour": 5, "minute": 38}
